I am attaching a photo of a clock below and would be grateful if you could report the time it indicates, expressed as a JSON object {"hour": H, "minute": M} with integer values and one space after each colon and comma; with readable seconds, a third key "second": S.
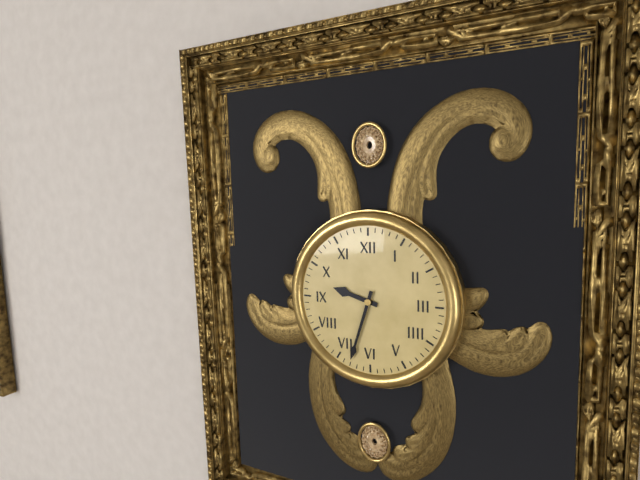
{"hour": 9, "minute": 33}
